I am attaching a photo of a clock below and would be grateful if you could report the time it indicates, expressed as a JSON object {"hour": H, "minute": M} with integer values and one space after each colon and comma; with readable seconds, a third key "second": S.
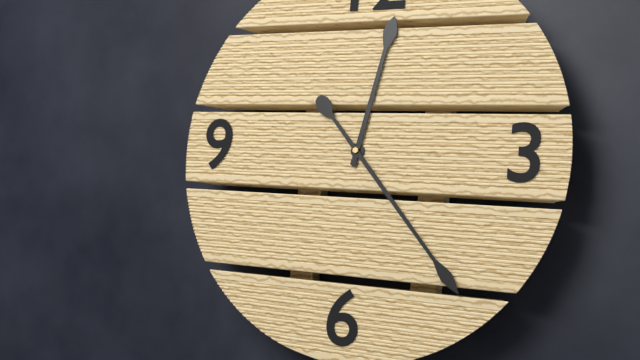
{"hour": 12, "minute": 23}
